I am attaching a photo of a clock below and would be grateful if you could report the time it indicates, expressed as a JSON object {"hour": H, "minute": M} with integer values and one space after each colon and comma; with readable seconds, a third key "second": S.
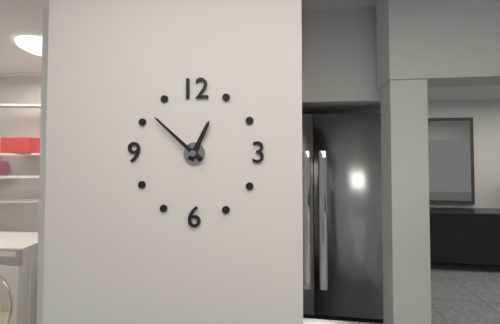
{"hour": 12, "minute": 52}
